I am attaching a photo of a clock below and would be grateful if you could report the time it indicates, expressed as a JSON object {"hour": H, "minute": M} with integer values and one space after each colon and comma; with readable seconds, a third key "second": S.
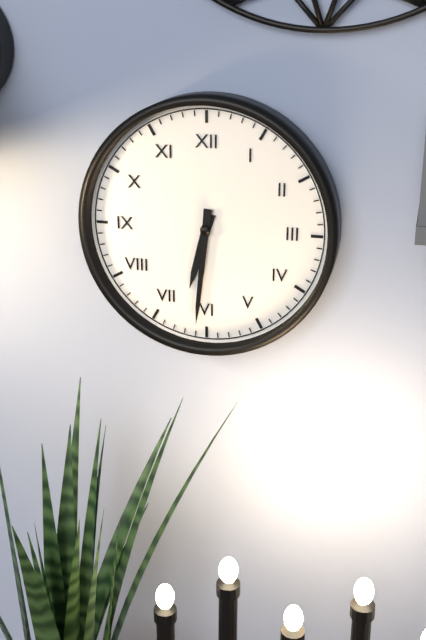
{"hour": 6, "minute": 31}
